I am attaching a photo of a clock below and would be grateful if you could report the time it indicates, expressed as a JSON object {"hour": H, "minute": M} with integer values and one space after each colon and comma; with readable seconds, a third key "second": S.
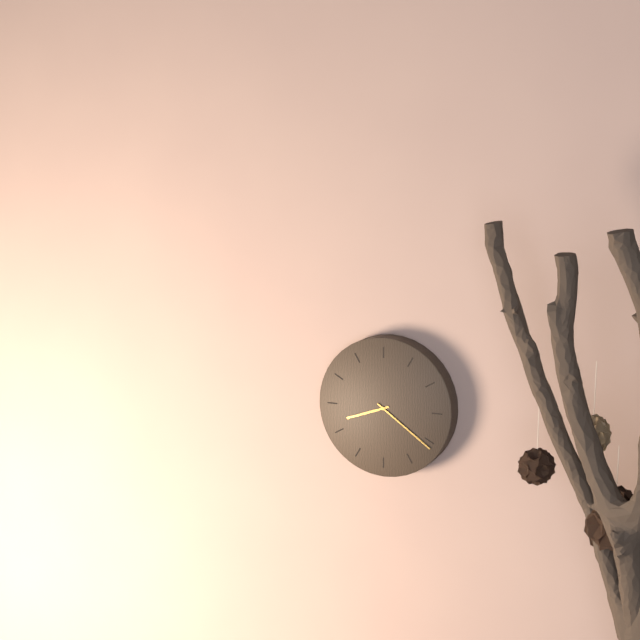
{"hour": 8, "minute": 21}
